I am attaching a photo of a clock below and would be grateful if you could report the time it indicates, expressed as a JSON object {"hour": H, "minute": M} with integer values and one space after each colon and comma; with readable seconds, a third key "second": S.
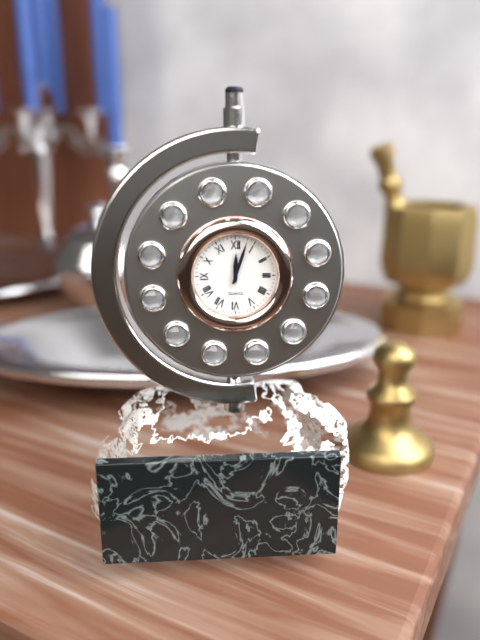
{"hour": 12, "minute": 3}
